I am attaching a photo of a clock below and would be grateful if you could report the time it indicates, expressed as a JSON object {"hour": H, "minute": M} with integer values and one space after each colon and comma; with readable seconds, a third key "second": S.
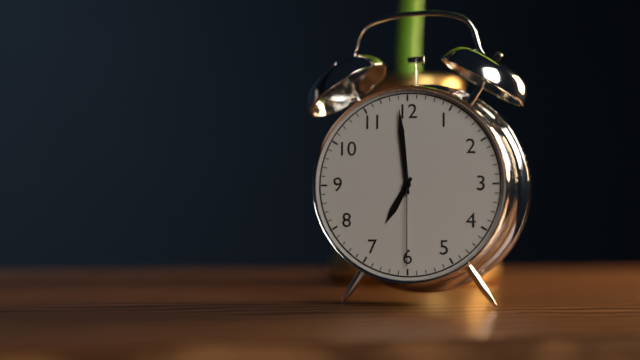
{"hour": 6, "minute": 59, "second": 30}
